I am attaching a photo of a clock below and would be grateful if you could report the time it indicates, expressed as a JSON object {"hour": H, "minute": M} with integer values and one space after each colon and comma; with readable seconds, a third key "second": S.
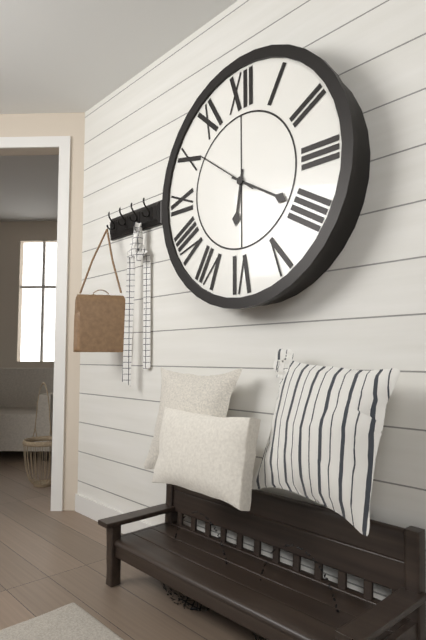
{"hour": 6, "minute": 20, "second": 51}
